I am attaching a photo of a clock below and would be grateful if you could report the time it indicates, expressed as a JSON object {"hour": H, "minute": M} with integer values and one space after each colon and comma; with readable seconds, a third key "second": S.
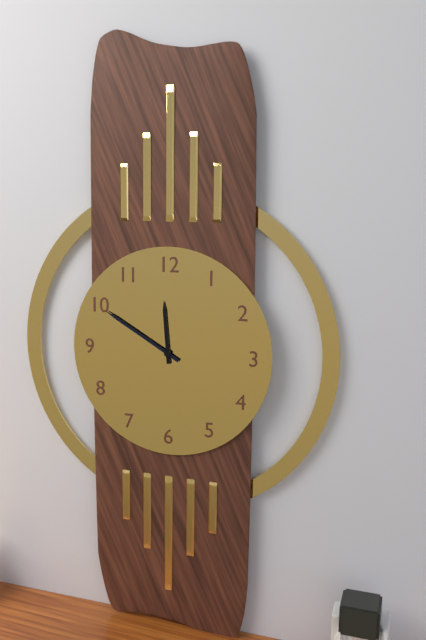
{"hour": 11, "minute": 50}
